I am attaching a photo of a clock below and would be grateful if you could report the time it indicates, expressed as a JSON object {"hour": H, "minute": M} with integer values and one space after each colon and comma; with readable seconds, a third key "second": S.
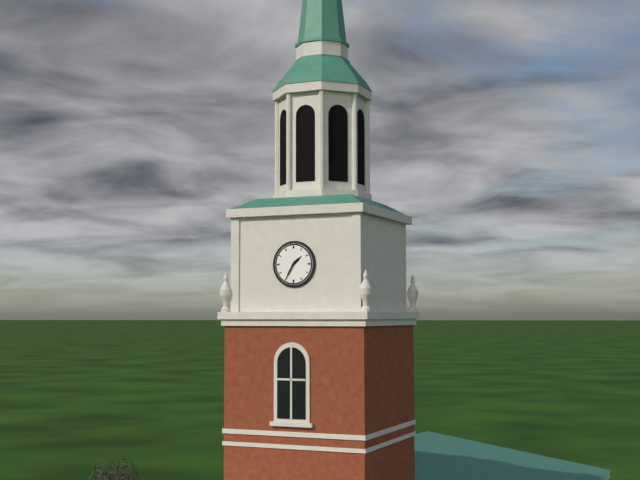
{"hour": 1, "minute": 35}
